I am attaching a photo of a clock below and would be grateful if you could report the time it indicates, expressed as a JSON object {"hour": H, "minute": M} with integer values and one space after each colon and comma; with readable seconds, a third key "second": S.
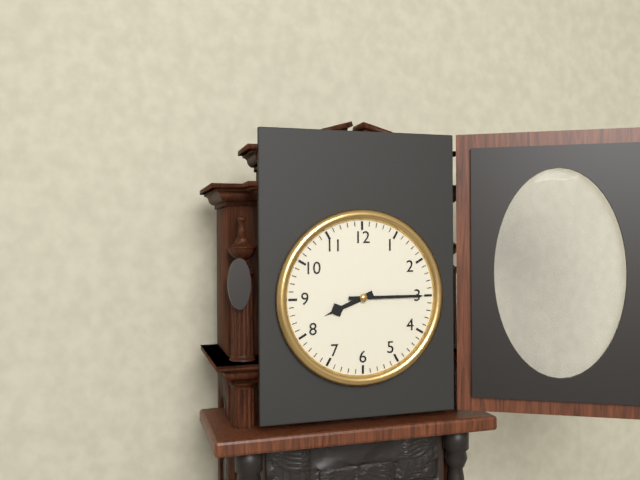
{"hour": 8, "minute": 15}
